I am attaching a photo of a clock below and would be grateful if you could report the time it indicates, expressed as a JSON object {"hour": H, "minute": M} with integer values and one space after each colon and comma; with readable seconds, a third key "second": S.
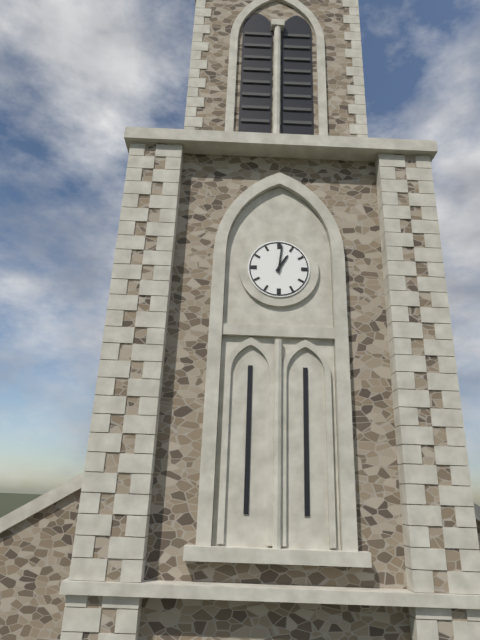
{"hour": 1, "minute": 1}
